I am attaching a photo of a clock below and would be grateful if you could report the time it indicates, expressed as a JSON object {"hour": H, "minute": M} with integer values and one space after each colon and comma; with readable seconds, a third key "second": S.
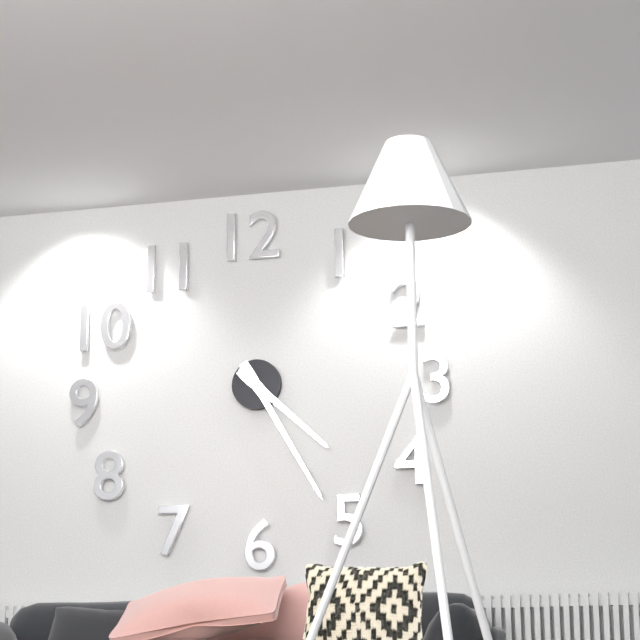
{"hour": 4, "minute": 25}
